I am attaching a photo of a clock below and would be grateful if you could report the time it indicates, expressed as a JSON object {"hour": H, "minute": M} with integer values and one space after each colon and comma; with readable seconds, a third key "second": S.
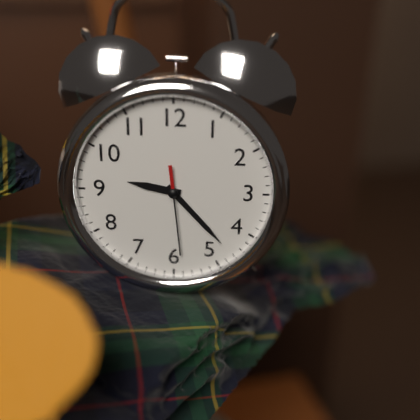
{"hour": 9, "minute": 23, "second": 29}
